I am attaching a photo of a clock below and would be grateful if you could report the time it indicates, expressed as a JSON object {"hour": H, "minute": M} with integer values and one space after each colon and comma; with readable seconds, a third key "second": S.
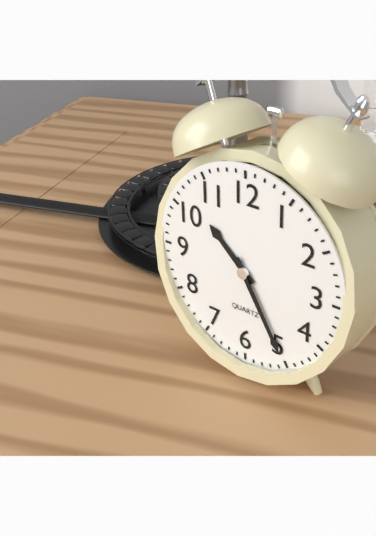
{"hour": 10, "minute": 25}
